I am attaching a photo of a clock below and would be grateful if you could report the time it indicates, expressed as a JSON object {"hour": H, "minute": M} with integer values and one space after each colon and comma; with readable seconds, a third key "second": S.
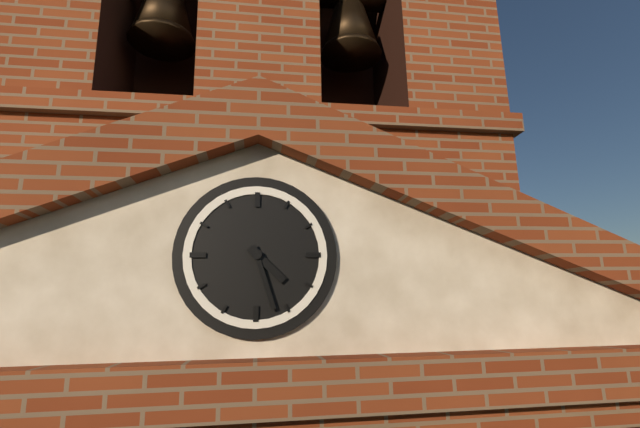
{"hour": 4, "minute": 27}
